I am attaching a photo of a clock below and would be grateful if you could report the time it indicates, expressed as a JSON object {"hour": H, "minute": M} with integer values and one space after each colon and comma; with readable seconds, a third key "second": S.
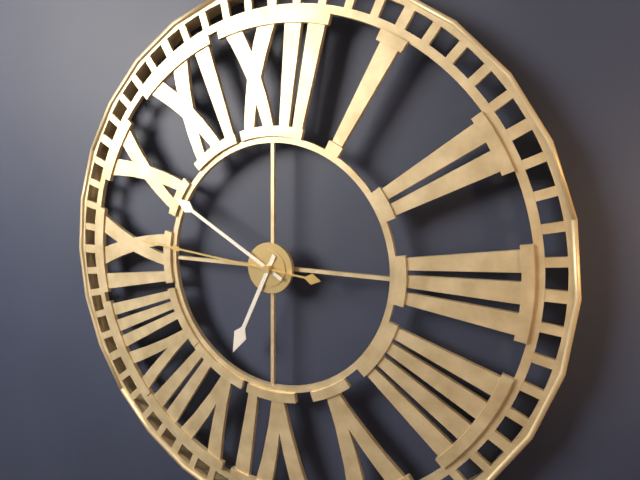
{"hour": 6, "minute": 50, "second": 46}
